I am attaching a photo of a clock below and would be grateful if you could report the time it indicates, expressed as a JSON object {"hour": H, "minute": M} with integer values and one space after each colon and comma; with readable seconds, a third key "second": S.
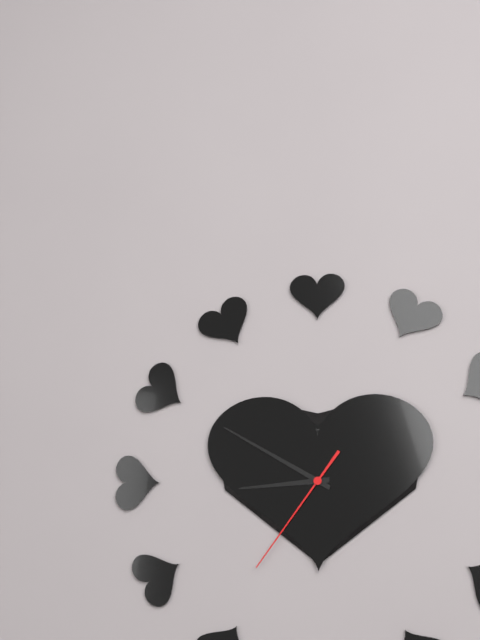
{"hour": 8, "minute": 50, "second": 36}
